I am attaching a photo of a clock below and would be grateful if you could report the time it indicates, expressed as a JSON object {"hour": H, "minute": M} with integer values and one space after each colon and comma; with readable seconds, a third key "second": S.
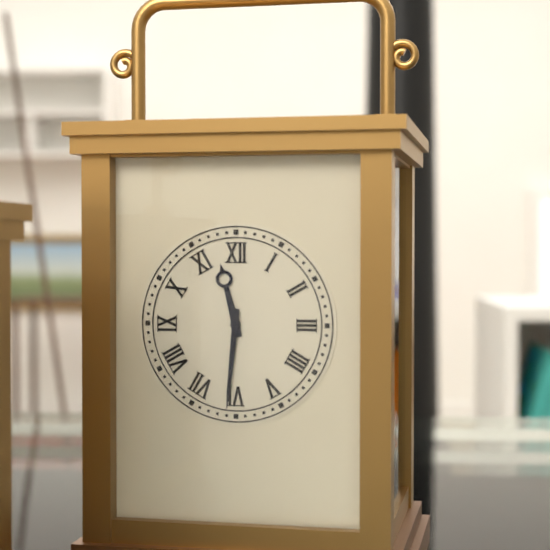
{"hour": 11, "minute": 31}
